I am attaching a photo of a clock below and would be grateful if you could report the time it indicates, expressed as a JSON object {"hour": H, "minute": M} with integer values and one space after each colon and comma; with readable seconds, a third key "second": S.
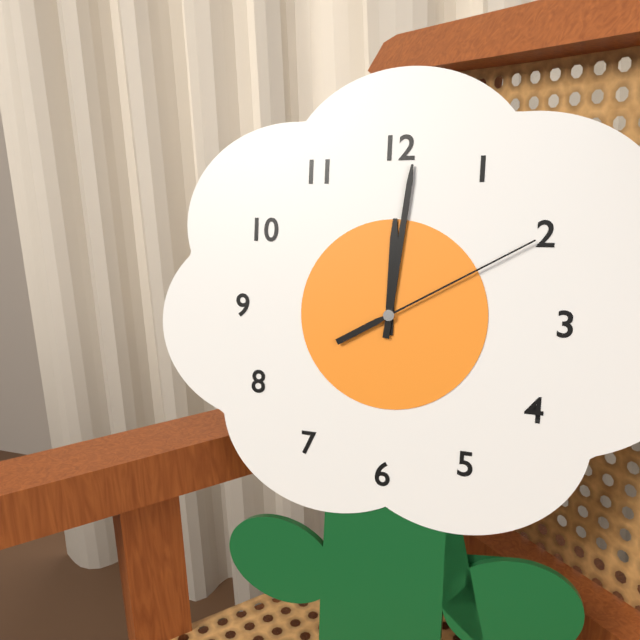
{"hour": 12, "minute": 1, "second": 10}
